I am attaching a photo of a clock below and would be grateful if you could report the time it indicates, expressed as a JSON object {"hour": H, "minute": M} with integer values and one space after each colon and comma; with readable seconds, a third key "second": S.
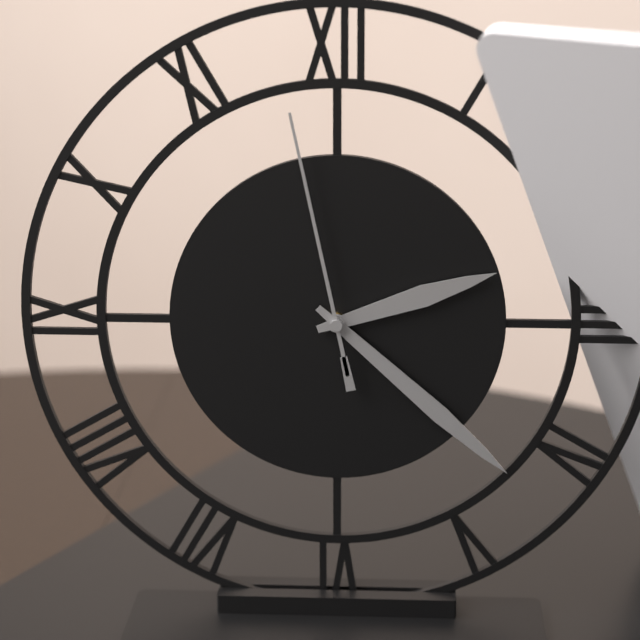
{"hour": 2, "minute": 22, "second": 58}
